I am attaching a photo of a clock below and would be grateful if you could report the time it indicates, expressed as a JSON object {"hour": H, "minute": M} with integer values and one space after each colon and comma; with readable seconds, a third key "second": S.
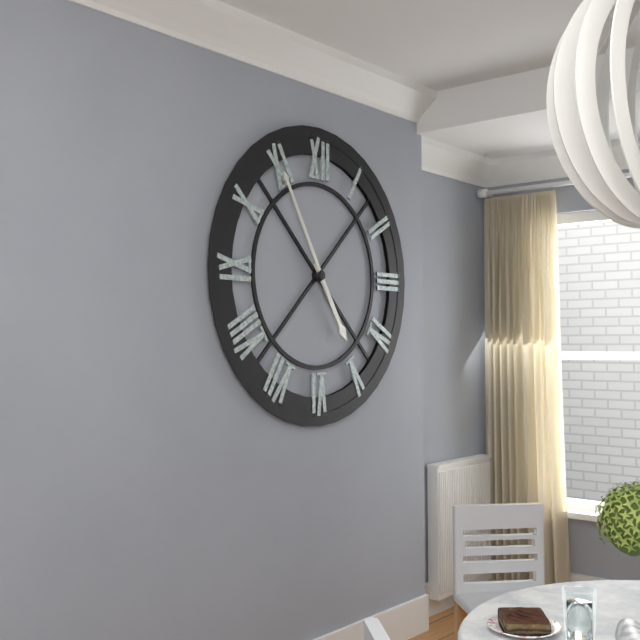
{"hour": 4, "minute": 55}
